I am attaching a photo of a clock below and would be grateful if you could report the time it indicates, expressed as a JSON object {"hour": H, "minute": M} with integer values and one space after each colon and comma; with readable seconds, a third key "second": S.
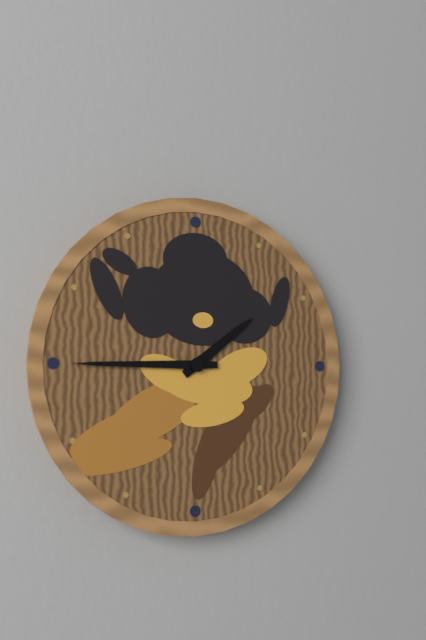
{"hour": 1, "minute": 45}
